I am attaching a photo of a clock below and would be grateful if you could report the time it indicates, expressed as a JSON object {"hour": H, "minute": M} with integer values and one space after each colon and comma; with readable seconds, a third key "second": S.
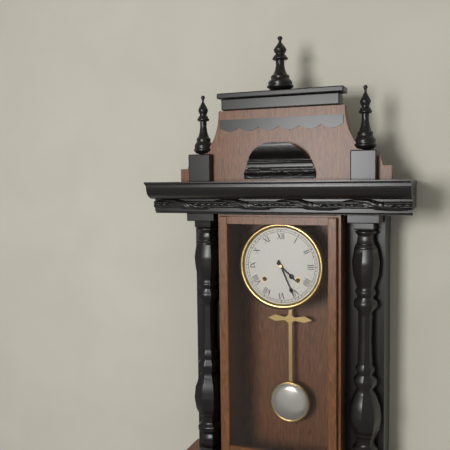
{"hour": 4, "minute": 26}
